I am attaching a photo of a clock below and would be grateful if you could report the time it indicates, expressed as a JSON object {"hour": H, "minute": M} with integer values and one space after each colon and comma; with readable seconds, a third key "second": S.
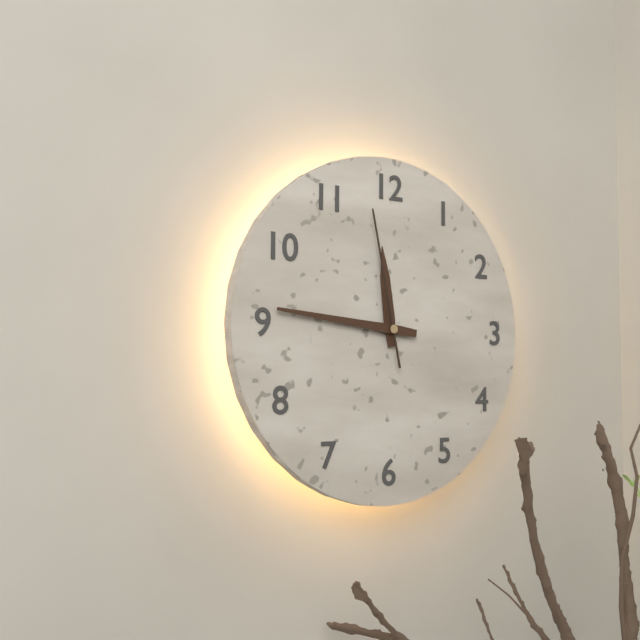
{"hour": 11, "minute": 46, "second": 58}
